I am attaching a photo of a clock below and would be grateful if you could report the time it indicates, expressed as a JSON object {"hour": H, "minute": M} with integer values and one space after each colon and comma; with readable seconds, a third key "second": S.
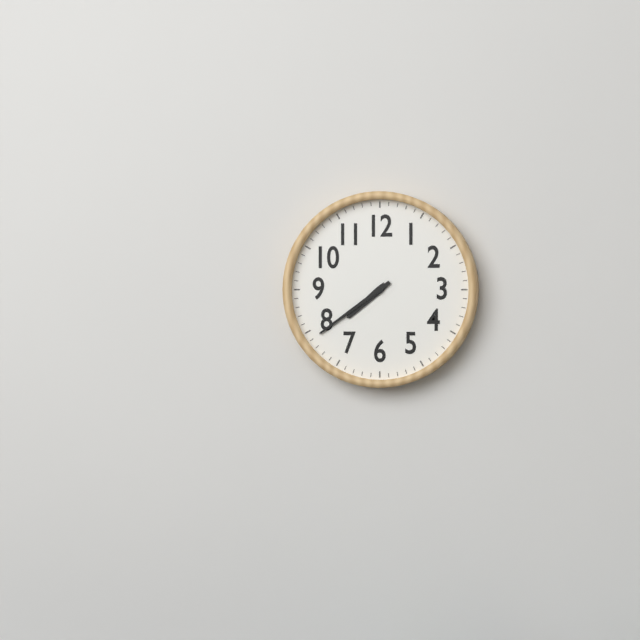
{"hour": 7, "minute": 39}
